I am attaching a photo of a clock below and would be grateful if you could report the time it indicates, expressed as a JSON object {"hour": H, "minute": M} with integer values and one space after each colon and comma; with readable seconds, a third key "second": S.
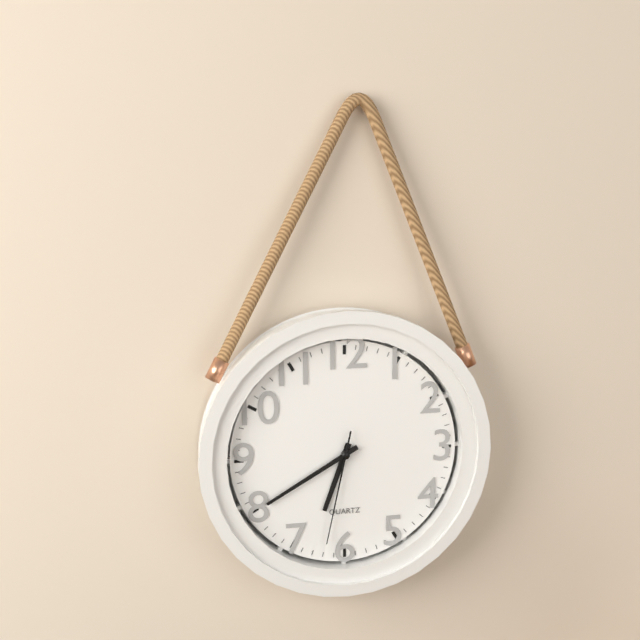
{"hour": 6, "minute": 40, "second": 32}
